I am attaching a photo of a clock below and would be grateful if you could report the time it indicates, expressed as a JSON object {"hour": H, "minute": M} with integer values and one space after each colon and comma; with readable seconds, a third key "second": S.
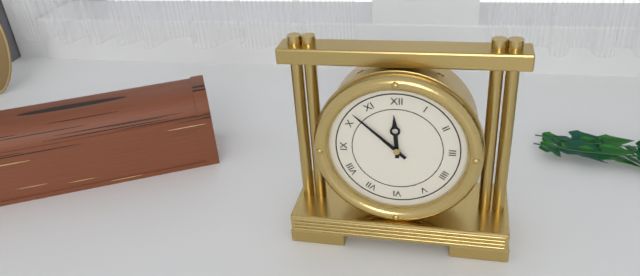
{"hour": 11, "minute": 52}
